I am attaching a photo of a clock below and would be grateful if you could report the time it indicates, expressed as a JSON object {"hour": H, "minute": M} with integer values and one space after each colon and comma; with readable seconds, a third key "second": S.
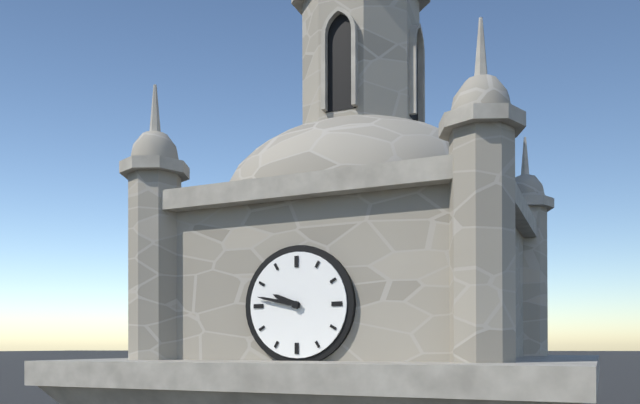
{"hour": 9, "minute": 47}
